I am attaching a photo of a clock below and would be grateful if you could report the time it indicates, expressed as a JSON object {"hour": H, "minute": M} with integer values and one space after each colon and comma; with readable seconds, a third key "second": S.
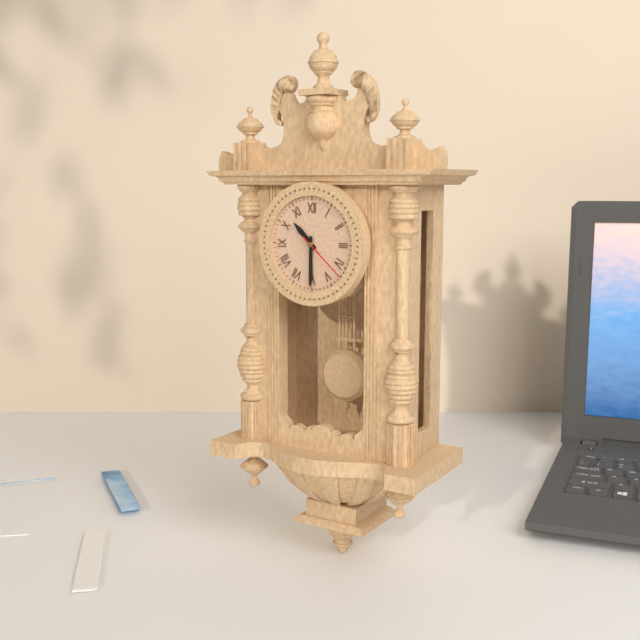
{"hour": 10, "minute": 30, "second": 22}
